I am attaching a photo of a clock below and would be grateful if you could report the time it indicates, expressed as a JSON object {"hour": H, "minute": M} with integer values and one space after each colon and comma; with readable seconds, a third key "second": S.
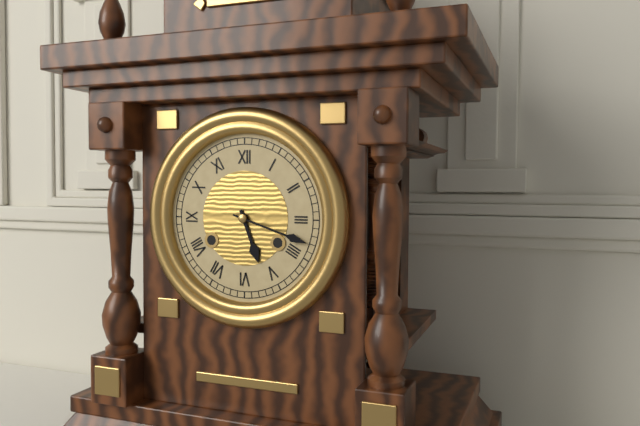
{"hour": 5, "minute": 18}
